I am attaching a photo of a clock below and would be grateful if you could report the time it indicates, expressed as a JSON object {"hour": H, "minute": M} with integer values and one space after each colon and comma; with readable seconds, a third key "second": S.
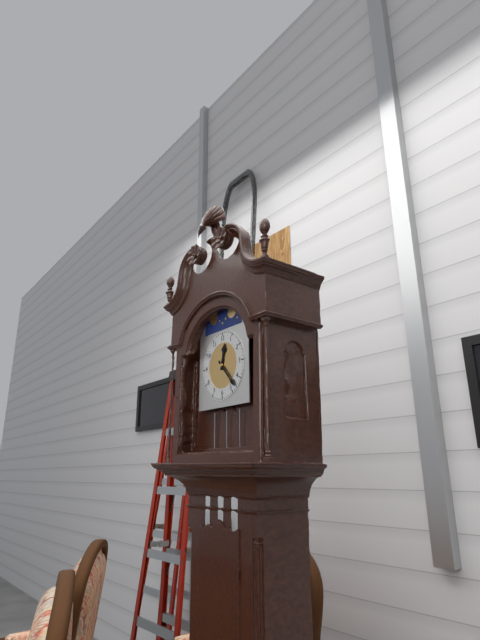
{"hour": 12, "minute": 23}
